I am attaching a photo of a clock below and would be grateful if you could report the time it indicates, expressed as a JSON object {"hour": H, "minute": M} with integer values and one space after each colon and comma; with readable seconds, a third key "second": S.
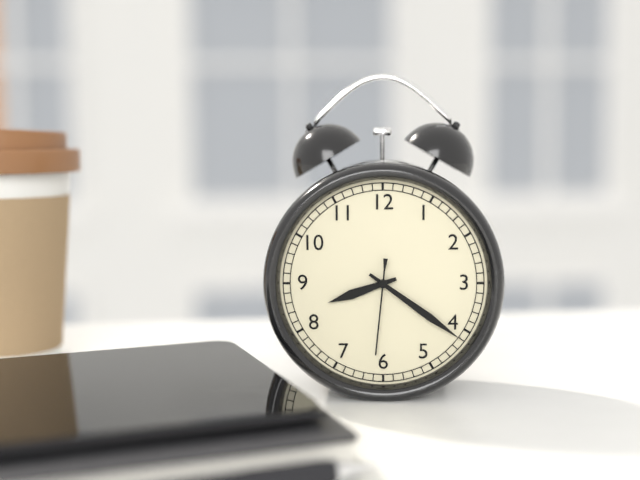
{"hour": 8, "minute": 21, "second": 31}
